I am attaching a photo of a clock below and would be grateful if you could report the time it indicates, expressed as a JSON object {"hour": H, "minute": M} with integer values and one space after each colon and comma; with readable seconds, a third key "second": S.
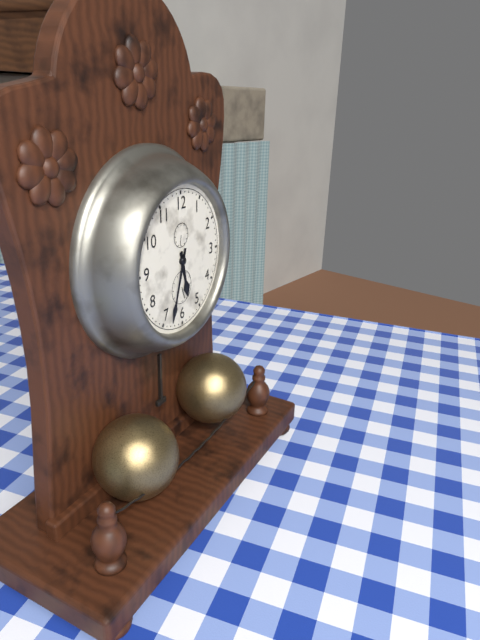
{"hour": 5, "minute": 33}
